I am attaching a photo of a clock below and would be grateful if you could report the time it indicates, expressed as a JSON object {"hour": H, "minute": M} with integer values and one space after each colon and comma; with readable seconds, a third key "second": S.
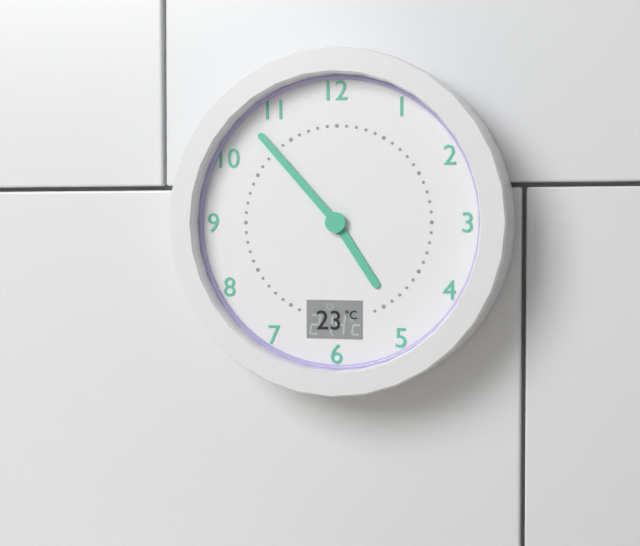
{"hour": 4, "minute": 53}
